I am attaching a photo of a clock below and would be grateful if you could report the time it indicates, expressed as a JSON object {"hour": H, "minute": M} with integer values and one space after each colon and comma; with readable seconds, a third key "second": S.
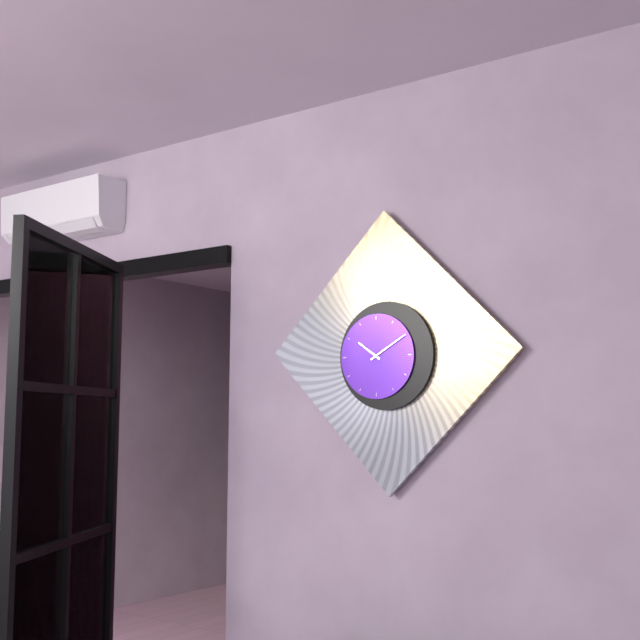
{"hour": 10, "minute": 10}
